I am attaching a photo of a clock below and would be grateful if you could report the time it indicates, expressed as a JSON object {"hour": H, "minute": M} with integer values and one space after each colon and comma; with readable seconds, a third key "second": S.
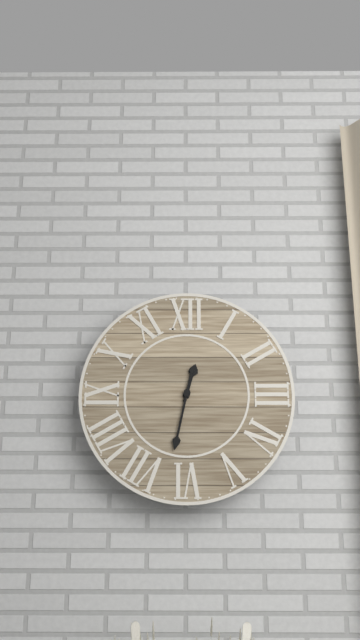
{"hour": 12, "minute": 32}
